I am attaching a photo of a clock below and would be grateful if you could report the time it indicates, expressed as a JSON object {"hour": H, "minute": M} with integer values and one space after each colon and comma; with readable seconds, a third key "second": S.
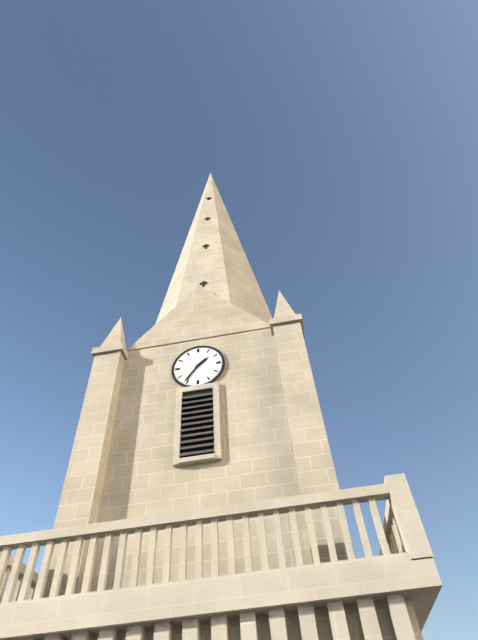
{"hour": 1, "minute": 36}
